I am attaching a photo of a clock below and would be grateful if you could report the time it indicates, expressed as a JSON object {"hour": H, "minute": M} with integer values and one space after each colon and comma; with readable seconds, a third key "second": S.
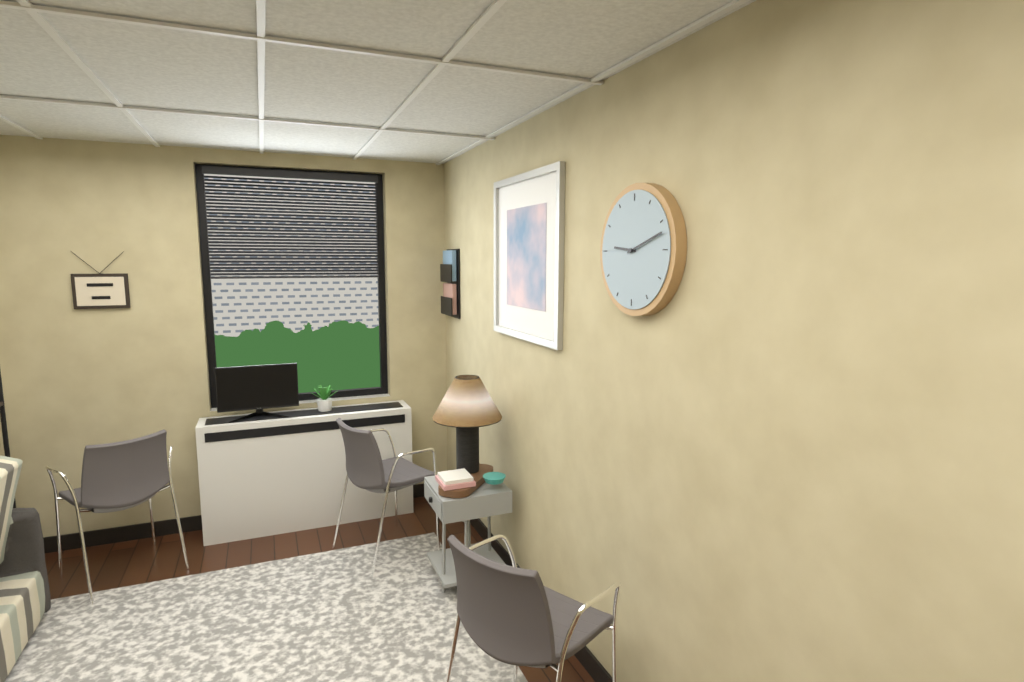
{"hour": 9, "minute": 12}
